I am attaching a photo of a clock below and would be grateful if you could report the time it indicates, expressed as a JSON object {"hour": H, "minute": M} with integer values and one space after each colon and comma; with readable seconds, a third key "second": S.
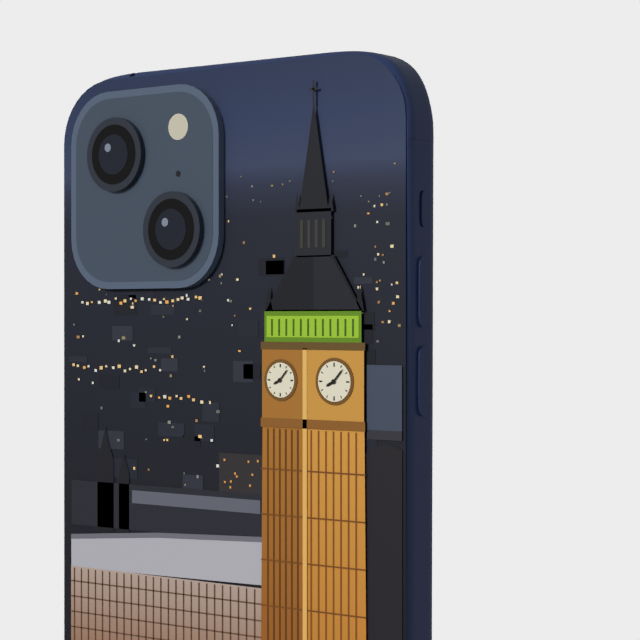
{"hour": 8, "minute": 7}
